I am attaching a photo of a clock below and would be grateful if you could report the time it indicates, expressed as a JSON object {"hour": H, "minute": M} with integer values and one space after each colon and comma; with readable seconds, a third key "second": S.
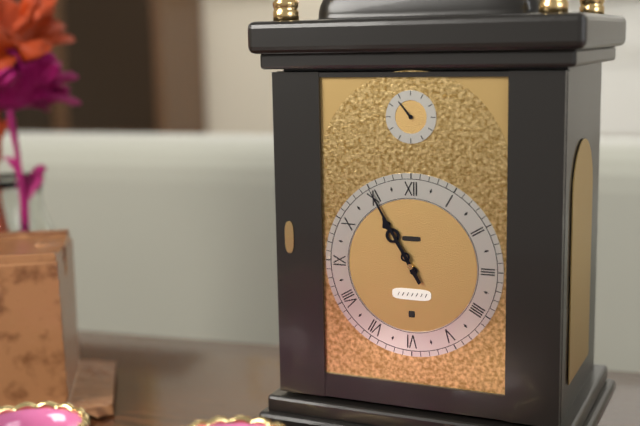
{"hour": 10, "minute": 55}
